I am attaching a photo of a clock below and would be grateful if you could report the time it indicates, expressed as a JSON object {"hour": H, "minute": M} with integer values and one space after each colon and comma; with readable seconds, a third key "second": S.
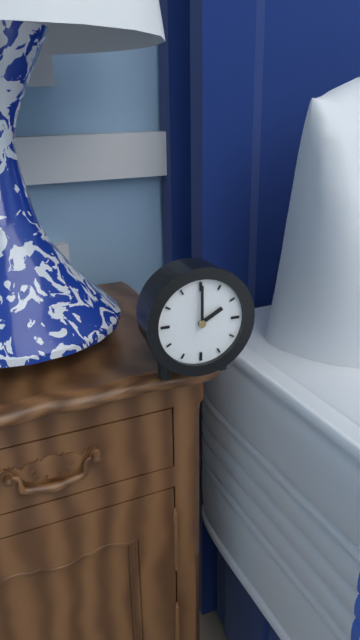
{"hour": 2, "minute": 0}
